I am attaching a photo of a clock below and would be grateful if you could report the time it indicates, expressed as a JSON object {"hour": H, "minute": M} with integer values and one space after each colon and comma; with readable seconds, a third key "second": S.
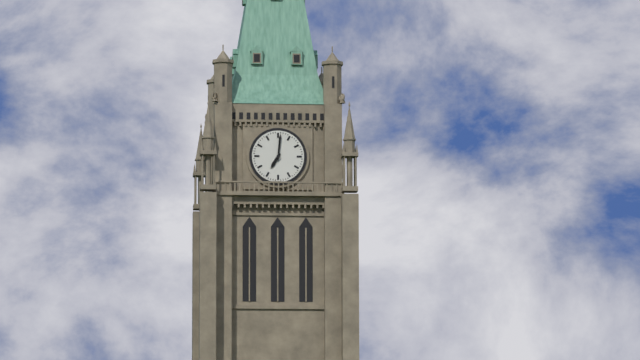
{"hour": 7, "minute": 1}
